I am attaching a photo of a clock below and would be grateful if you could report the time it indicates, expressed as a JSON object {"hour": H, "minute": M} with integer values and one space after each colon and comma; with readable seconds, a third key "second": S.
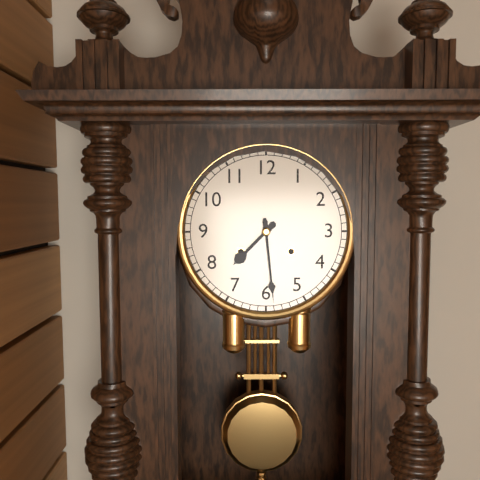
{"hour": 7, "minute": 29}
